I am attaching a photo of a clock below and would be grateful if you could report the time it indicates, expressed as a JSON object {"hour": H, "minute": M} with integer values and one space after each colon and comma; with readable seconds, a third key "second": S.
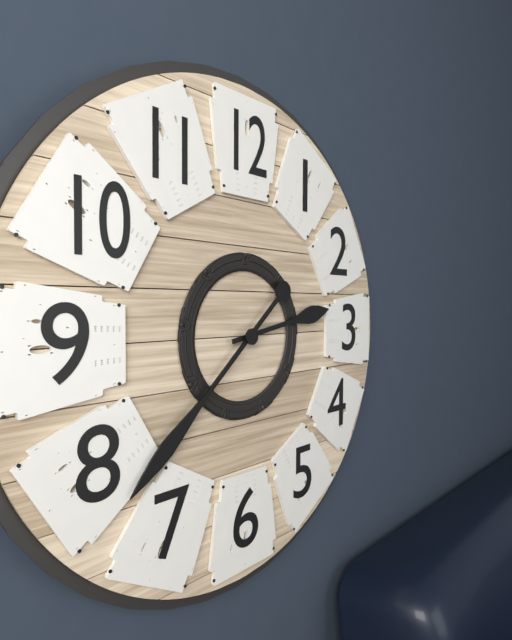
{"hour": 2, "minute": 38}
